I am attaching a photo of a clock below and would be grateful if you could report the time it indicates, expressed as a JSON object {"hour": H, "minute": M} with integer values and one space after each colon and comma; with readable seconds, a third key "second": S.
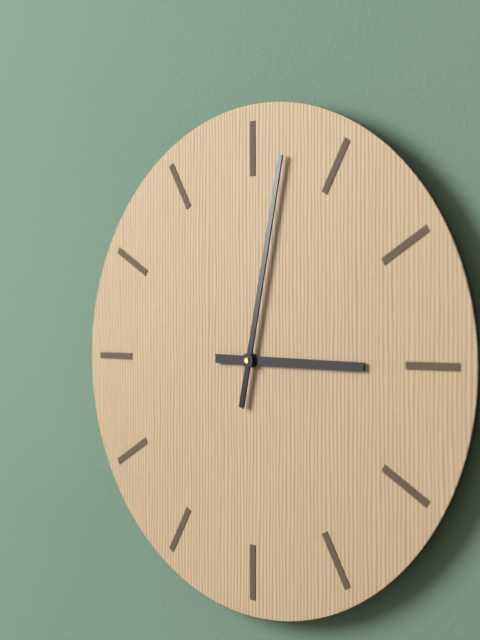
{"hour": 3, "minute": 2}
